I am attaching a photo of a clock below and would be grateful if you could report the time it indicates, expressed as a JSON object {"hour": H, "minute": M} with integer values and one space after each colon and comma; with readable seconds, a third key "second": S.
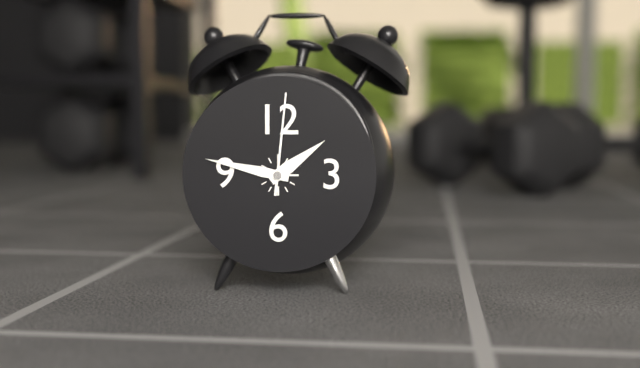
{"hour": 1, "minute": 47, "second": 1}
